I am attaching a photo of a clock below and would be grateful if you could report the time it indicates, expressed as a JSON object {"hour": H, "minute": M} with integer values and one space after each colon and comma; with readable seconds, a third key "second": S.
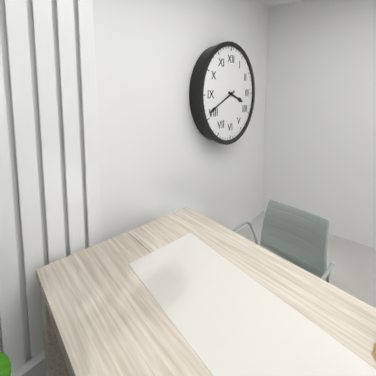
{"hour": 3, "minute": 41}
